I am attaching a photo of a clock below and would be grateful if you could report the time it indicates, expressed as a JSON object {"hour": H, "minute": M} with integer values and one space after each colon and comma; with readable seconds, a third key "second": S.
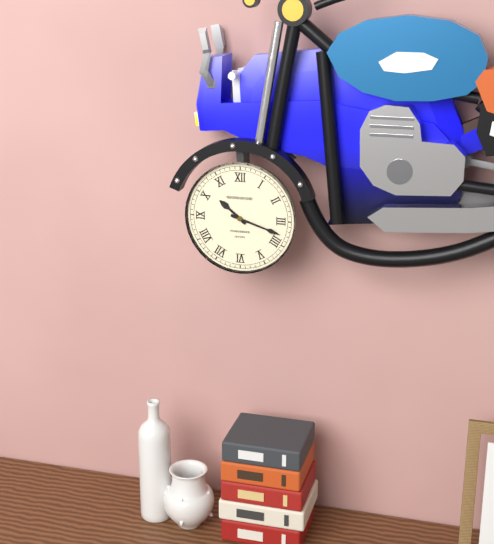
{"hour": 10, "minute": 18}
